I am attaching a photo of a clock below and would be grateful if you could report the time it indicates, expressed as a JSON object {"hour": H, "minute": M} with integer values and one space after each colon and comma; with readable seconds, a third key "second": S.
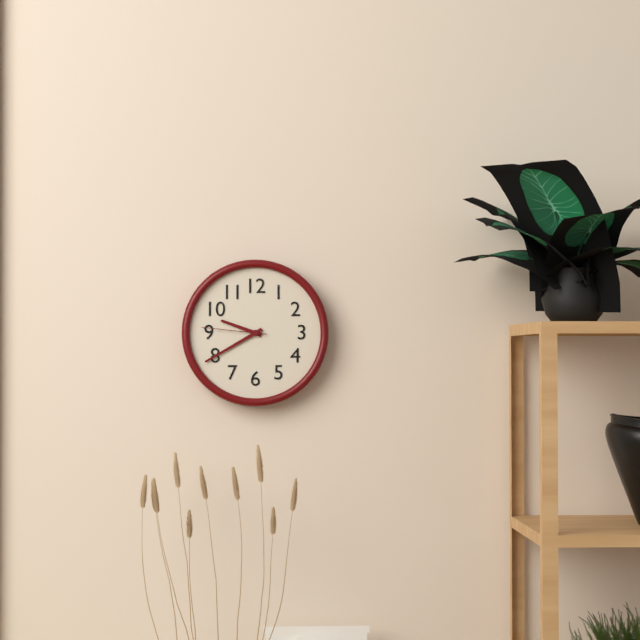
{"hour": 9, "minute": 40, "second": 46}
